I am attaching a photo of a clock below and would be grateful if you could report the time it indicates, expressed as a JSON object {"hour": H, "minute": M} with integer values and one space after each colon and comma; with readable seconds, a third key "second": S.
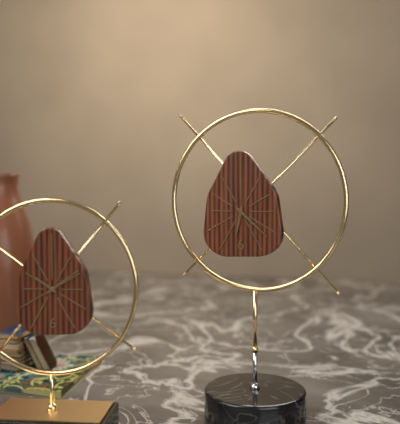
{"hour": 6, "minute": 22}
